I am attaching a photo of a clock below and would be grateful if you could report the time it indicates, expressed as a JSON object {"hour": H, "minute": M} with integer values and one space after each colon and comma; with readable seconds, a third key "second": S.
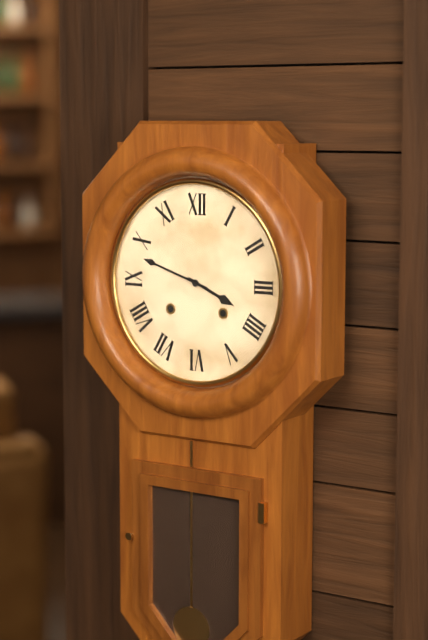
{"hour": 3, "minute": 48}
